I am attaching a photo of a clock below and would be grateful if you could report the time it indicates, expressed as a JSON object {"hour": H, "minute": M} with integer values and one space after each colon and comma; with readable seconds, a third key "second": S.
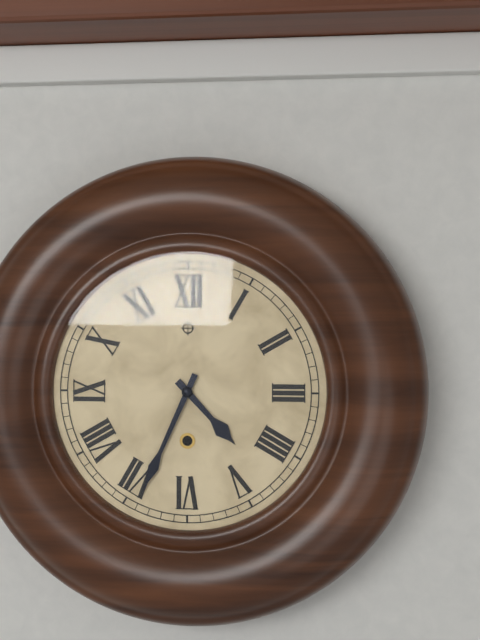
{"hour": 4, "minute": 34}
